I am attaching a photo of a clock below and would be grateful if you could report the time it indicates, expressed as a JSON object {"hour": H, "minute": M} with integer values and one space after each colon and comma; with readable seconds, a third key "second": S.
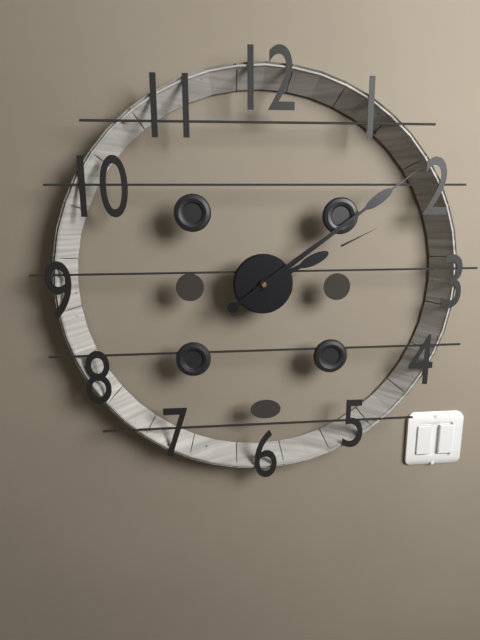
{"hour": 2, "minute": 9}
